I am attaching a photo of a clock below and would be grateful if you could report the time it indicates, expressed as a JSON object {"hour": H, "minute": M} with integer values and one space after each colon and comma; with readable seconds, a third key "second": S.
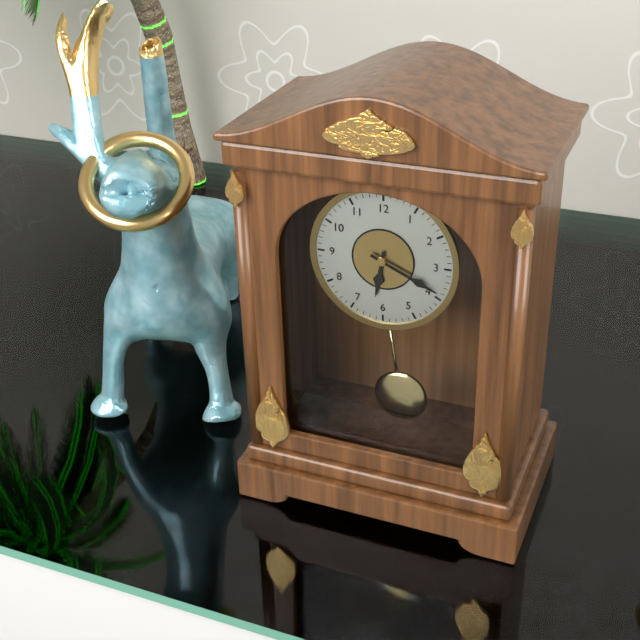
{"hour": 6, "minute": 19}
